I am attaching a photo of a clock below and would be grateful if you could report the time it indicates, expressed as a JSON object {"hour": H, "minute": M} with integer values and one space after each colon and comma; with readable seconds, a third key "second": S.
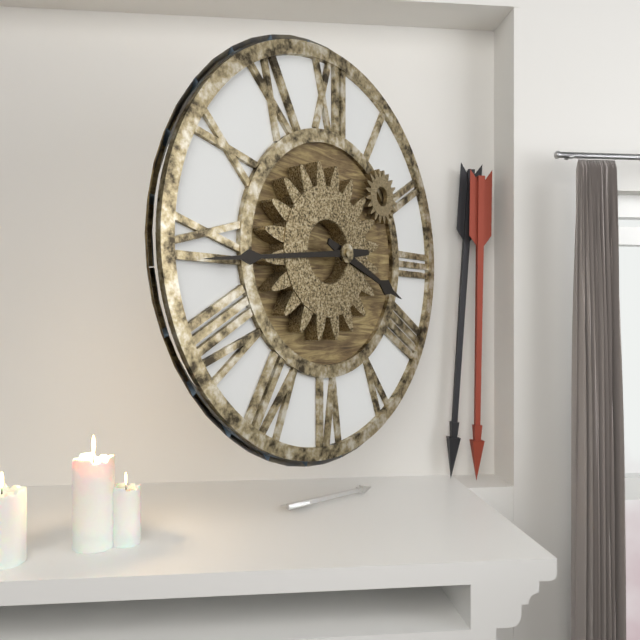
{"hour": 3, "minute": 44}
